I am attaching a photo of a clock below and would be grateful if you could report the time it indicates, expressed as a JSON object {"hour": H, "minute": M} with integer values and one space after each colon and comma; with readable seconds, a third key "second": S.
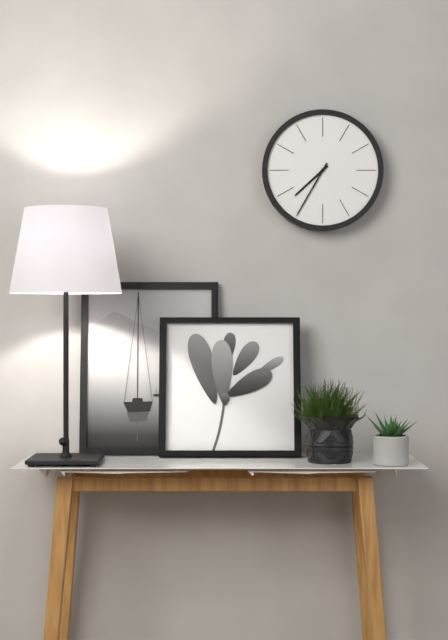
{"hour": 7, "minute": 35}
